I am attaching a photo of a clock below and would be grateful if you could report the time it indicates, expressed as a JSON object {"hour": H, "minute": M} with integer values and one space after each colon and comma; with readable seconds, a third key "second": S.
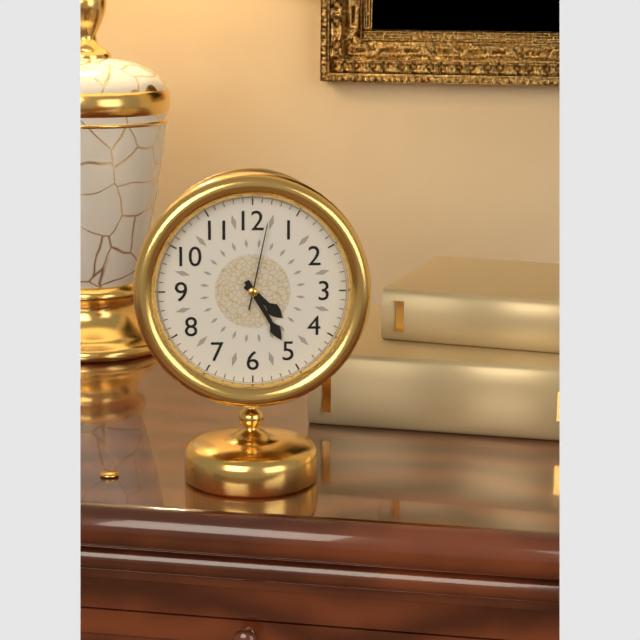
{"hour": 4, "minute": 25, "second": 2}
